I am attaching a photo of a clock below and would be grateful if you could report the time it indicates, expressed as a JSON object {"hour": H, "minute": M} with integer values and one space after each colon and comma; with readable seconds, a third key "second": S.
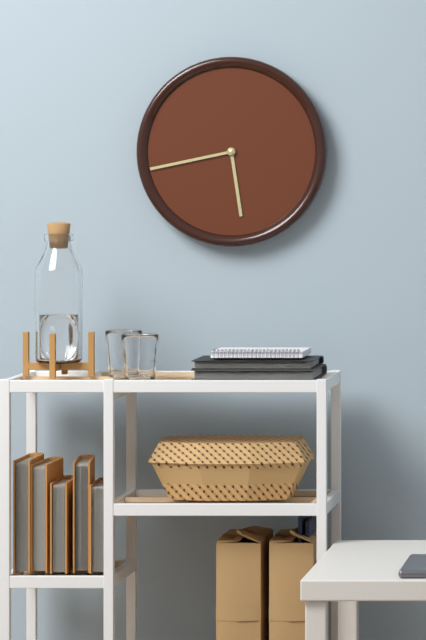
{"hour": 5, "minute": 43}
